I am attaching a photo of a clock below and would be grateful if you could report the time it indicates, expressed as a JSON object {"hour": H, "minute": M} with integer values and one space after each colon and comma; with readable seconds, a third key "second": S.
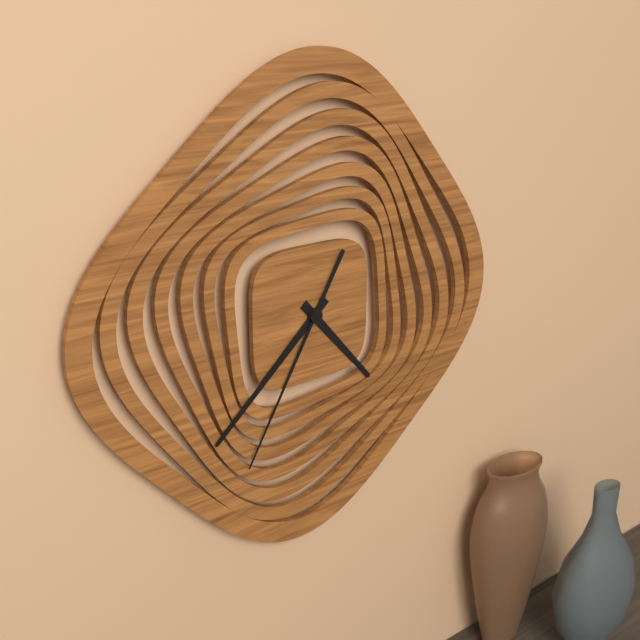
{"hour": 4, "minute": 38, "second": 35}
